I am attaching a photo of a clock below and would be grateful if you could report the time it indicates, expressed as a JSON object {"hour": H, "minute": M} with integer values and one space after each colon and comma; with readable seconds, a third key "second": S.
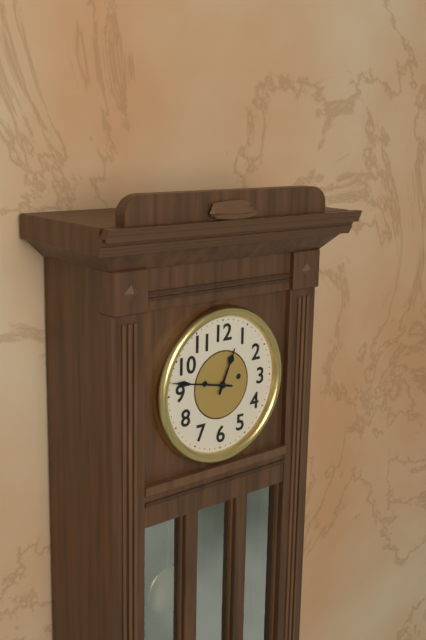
{"hour": 12, "minute": 47}
